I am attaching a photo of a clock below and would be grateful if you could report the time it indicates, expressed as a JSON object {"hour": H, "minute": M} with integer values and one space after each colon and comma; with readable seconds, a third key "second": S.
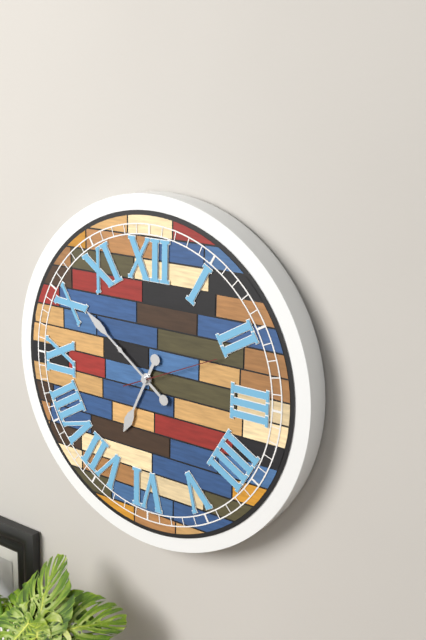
{"hour": 6, "minute": 51, "second": 11}
